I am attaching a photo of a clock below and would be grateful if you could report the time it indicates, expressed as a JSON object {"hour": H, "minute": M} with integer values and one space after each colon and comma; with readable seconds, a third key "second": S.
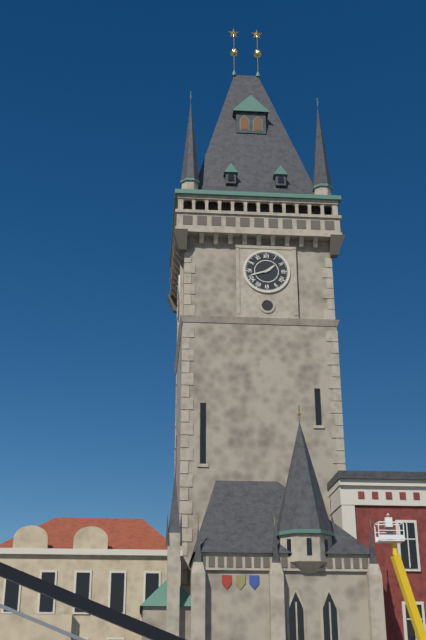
{"hour": 1, "minute": 42}
